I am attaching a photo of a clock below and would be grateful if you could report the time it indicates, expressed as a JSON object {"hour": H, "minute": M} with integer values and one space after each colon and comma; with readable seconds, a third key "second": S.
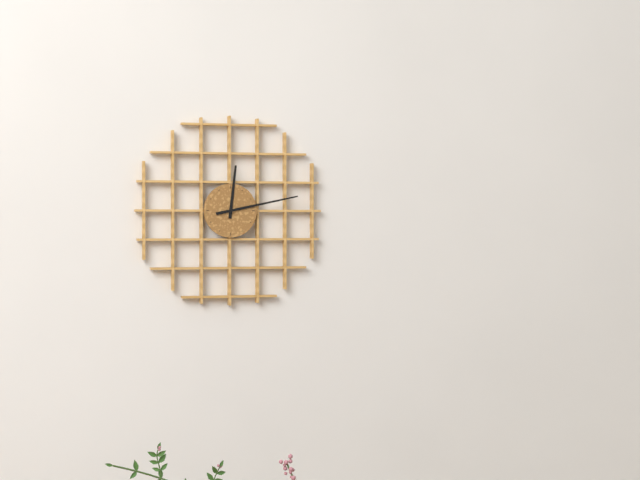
{"hour": 12, "minute": 13}
